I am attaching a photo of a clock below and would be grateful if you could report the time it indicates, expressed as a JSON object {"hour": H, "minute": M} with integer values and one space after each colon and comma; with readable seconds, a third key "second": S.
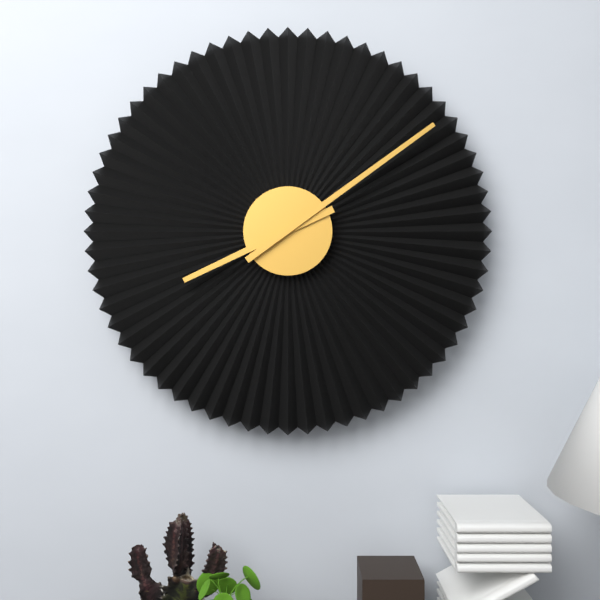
{"hour": 8, "minute": 9}
